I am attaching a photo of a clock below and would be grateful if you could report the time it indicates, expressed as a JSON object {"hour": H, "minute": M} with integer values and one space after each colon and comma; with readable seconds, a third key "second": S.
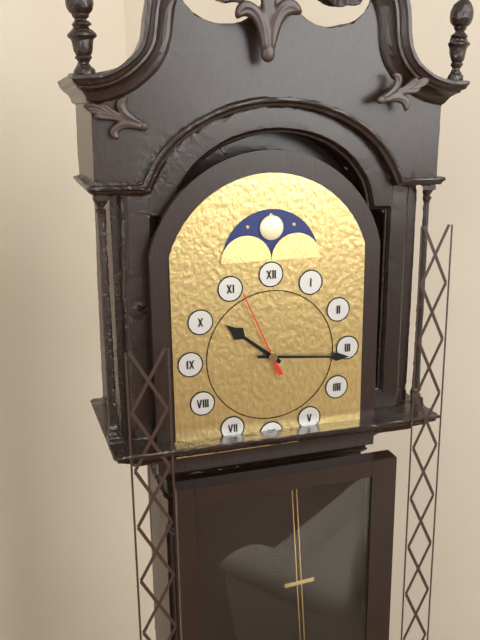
{"hour": 10, "minute": 16, "second": 56}
